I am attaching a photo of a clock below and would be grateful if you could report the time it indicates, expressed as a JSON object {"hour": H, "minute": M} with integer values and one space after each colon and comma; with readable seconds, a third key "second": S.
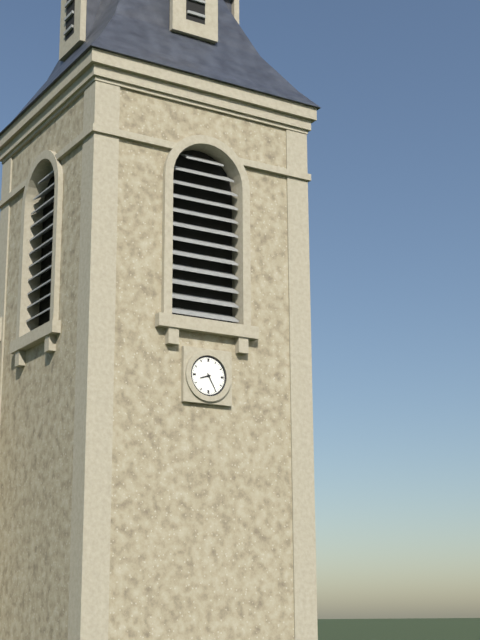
{"hour": 8, "minute": 25}
